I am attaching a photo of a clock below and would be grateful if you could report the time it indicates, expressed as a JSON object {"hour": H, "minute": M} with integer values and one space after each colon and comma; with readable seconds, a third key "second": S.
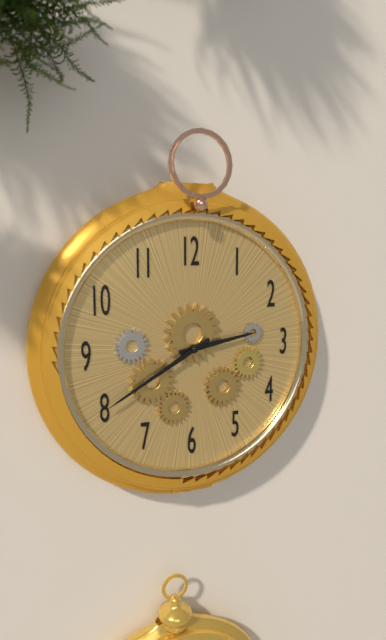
{"hour": 2, "minute": 40}
